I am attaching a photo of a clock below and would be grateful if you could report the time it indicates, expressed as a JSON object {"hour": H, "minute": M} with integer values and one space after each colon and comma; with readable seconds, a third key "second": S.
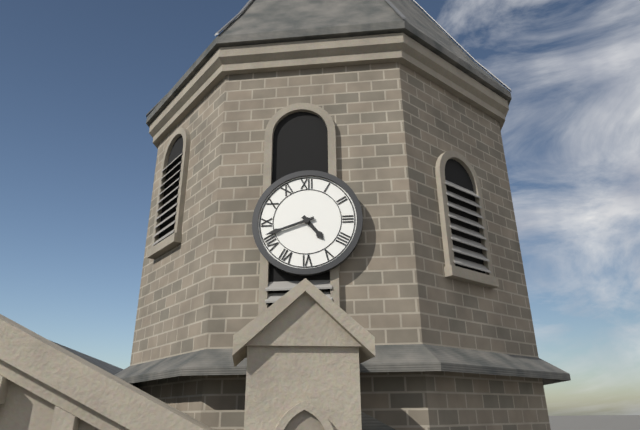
{"hour": 4, "minute": 42}
